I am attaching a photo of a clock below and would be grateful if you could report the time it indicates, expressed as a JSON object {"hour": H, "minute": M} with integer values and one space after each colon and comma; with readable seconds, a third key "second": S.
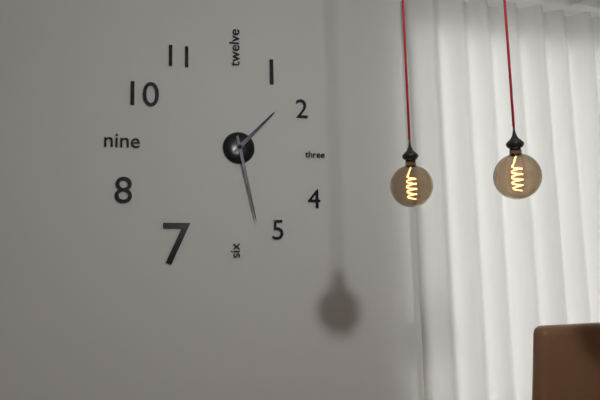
{"hour": 1, "minute": 28}
